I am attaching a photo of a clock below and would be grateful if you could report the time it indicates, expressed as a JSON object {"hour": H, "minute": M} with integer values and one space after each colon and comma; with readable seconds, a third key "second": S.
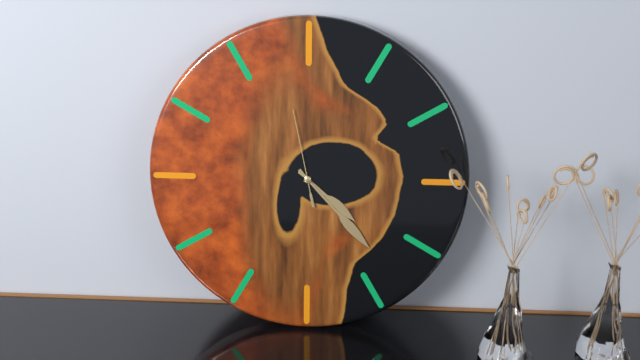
{"hour": 4, "minute": 23, "second": 58}
